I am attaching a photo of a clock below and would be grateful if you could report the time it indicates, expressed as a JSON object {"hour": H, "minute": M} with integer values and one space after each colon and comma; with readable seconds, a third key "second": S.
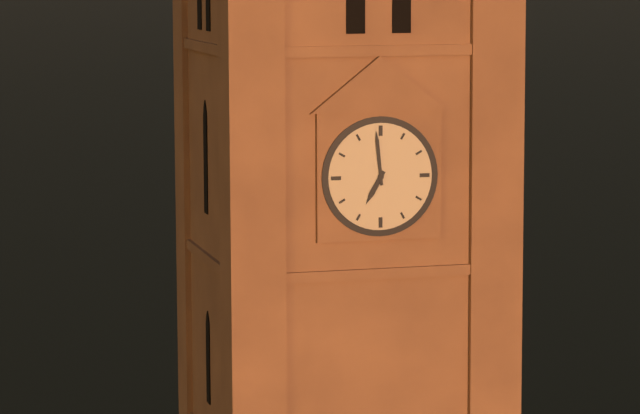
{"hour": 6, "minute": 59}
